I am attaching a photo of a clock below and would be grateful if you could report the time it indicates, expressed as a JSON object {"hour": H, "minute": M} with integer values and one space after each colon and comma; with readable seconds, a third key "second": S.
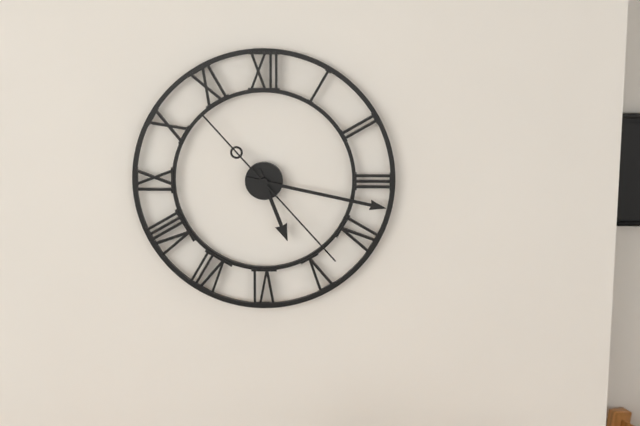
{"hour": 5, "minute": 17, "second": 23}
